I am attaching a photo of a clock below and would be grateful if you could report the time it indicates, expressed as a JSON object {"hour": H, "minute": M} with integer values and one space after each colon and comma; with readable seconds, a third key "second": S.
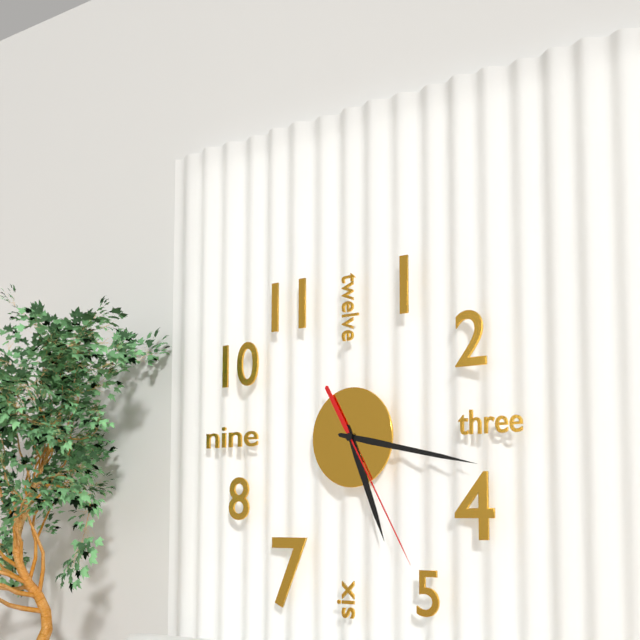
{"hour": 5, "minute": 17, "second": 25}
